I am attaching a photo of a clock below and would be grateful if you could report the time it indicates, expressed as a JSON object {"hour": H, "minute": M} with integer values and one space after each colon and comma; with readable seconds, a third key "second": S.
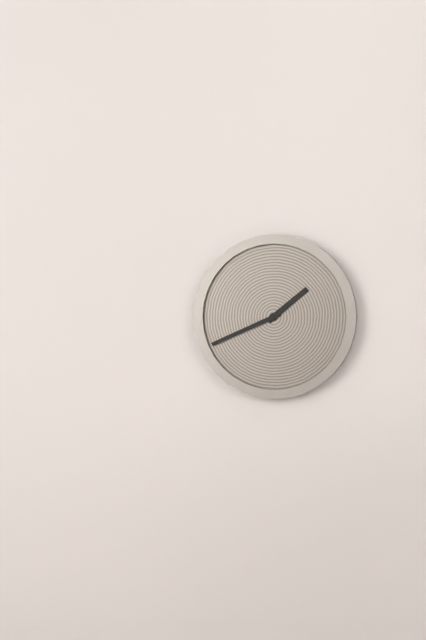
{"hour": 1, "minute": 41}
